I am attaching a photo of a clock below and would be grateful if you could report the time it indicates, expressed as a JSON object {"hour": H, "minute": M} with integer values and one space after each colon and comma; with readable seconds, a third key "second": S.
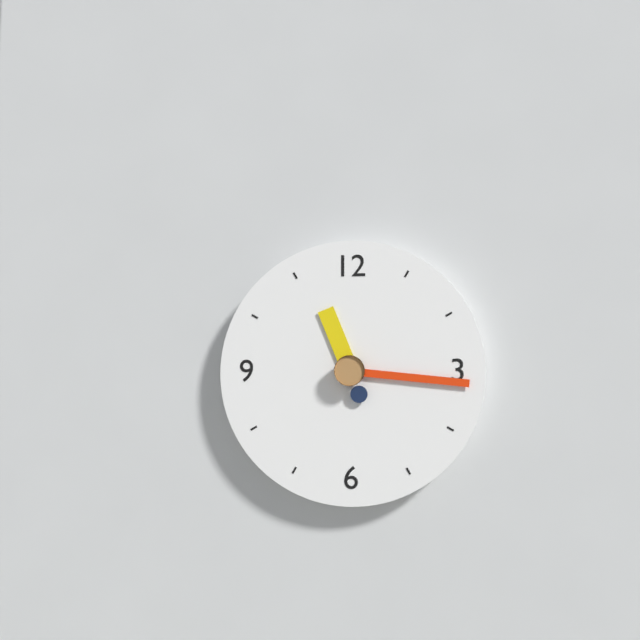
{"hour": 11, "minute": 16}
